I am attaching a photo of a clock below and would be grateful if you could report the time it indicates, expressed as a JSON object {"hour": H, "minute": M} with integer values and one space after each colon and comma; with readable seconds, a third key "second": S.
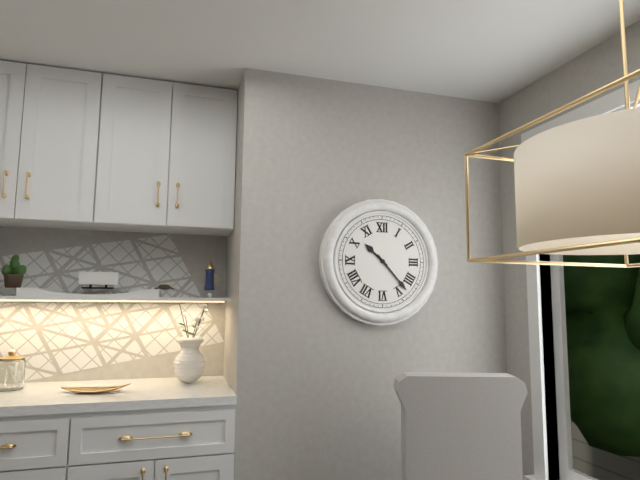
{"hour": 10, "minute": 23}
